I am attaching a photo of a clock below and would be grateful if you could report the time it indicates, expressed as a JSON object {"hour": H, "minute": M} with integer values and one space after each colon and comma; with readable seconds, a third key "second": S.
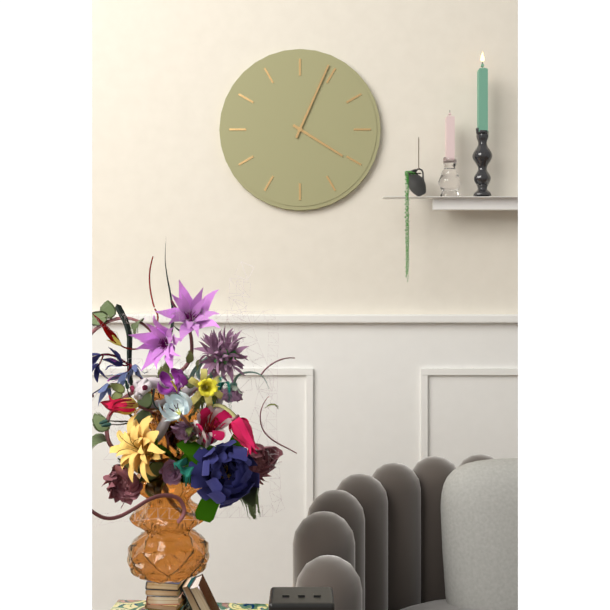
{"hour": 4, "minute": 4}
